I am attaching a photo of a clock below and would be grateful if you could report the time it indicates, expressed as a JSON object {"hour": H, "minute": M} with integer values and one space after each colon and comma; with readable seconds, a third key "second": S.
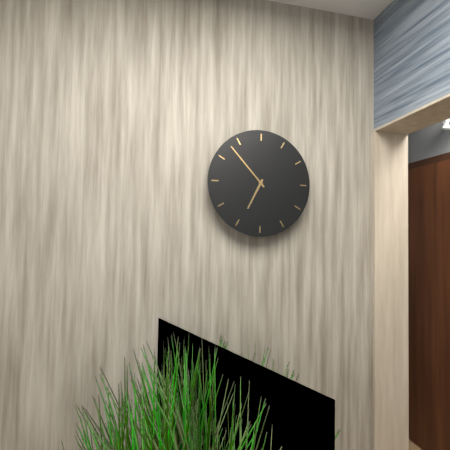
{"hour": 6, "minute": 53}
